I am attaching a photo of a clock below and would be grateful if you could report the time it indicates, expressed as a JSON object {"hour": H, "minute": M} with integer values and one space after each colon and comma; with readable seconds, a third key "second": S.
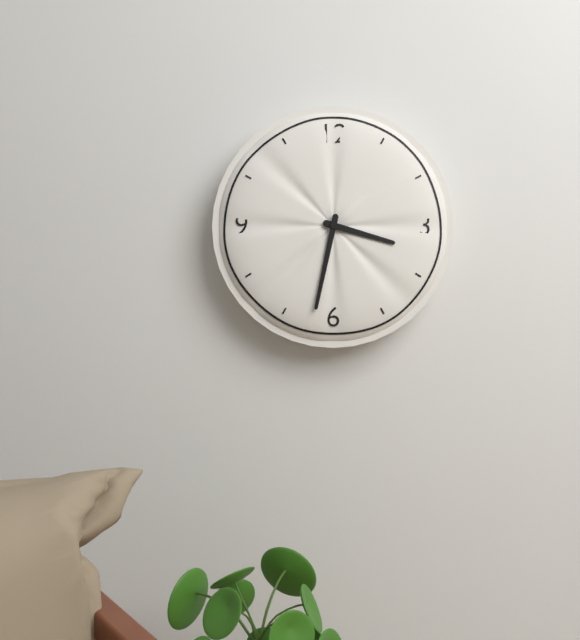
{"hour": 3, "minute": 32}
